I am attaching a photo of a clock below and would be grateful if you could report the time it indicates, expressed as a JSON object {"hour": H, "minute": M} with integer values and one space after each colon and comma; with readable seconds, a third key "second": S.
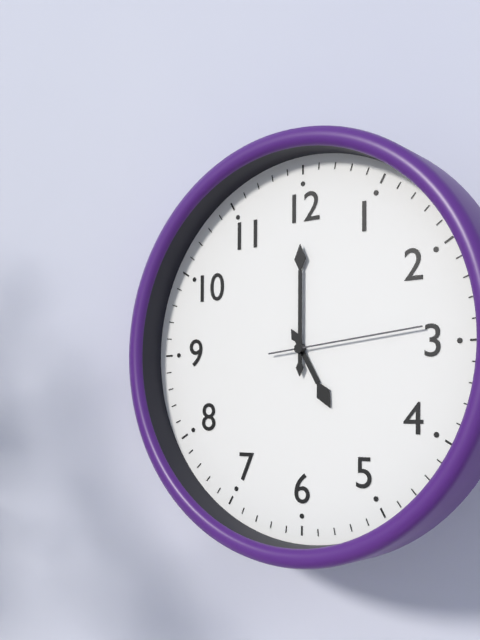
{"hour": 5, "minute": 0, "second": 14}
